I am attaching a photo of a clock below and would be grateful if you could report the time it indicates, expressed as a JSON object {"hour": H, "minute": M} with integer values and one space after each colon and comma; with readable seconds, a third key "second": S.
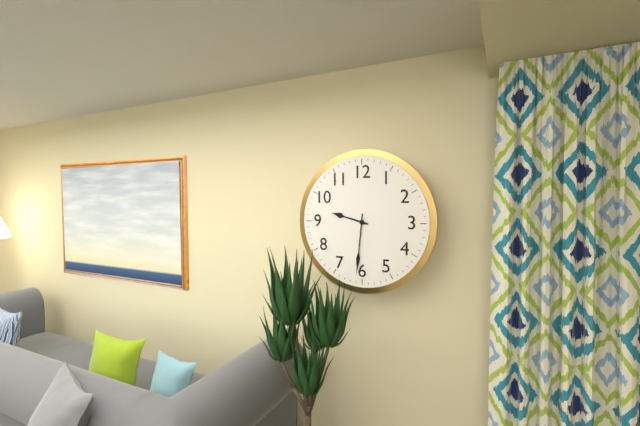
{"hour": 9, "minute": 31}
